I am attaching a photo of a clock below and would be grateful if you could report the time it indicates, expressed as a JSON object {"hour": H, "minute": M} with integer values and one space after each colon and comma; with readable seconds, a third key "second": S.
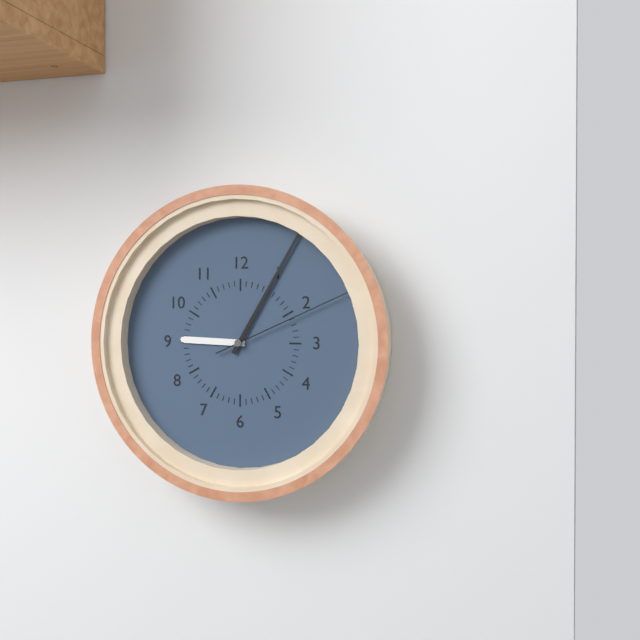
{"hour": 9, "minute": 5, "second": 11}
